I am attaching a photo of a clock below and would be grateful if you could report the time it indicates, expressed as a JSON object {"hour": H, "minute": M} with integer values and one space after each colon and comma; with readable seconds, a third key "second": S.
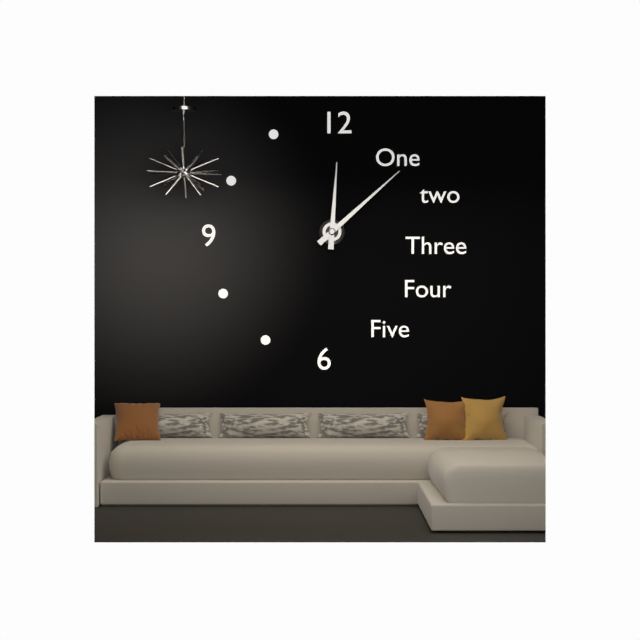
{"hour": 12, "minute": 8}
